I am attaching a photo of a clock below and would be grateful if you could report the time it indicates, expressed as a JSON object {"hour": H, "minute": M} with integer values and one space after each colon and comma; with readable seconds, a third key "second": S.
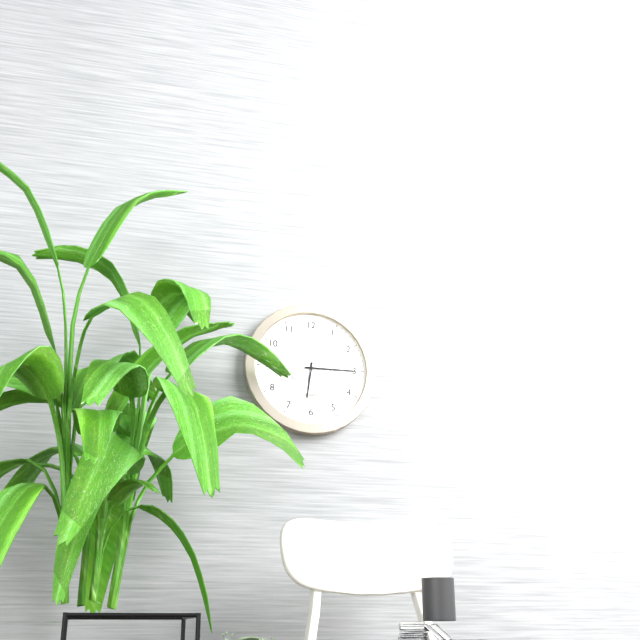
{"hour": 6, "minute": 15, "second": 33}
